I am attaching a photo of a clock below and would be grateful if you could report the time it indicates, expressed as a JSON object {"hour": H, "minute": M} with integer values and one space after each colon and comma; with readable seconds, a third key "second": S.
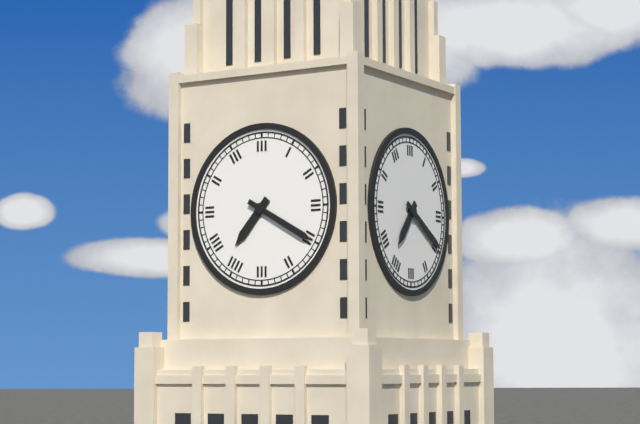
{"hour": 7, "minute": 20}
